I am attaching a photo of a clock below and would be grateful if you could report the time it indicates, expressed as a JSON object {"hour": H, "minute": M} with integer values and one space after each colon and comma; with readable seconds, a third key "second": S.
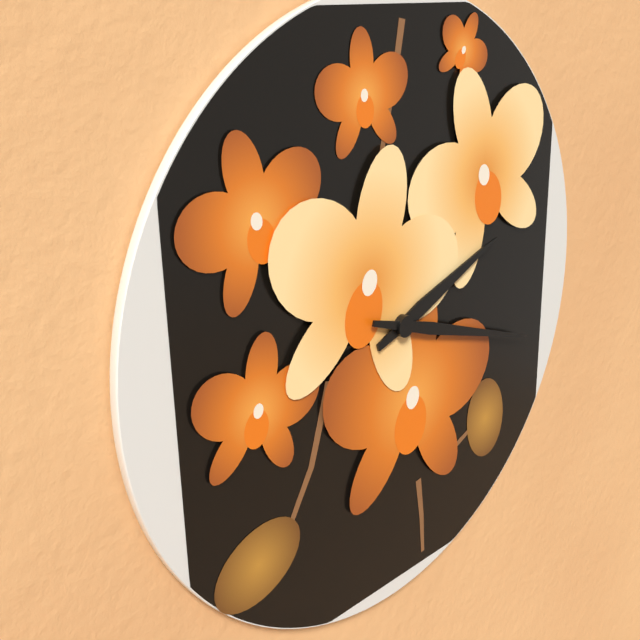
{"hour": 2, "minute": 18}
